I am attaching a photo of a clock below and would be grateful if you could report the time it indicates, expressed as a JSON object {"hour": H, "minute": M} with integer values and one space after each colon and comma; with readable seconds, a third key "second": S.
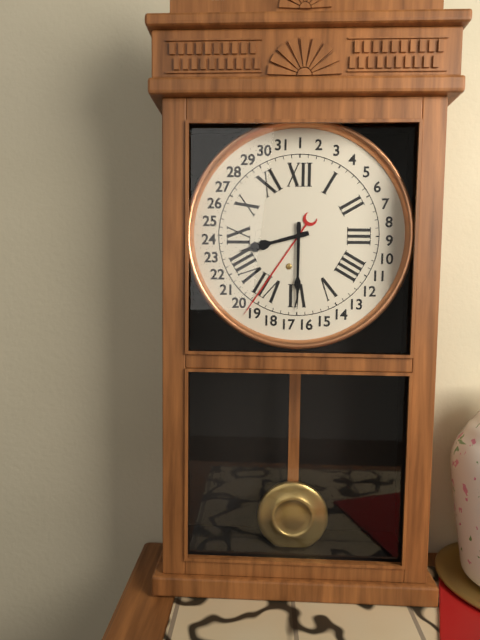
{"hour": 8, "minute": 30}
